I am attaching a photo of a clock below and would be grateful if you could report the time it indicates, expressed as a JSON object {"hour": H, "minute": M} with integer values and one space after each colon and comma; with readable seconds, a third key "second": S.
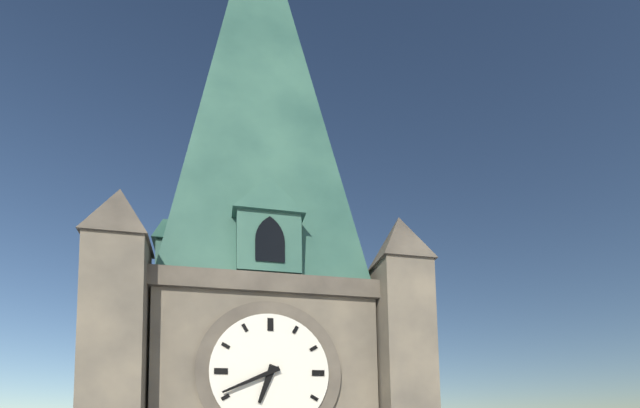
{"hour": 6, "minute": 41}
